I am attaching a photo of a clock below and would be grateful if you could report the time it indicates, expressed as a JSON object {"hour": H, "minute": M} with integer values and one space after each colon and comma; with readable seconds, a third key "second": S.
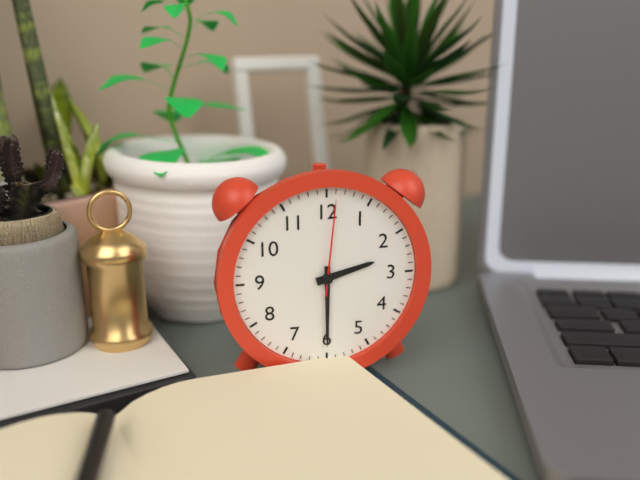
{"hour": 2, "minute": 30, "second": 1}
